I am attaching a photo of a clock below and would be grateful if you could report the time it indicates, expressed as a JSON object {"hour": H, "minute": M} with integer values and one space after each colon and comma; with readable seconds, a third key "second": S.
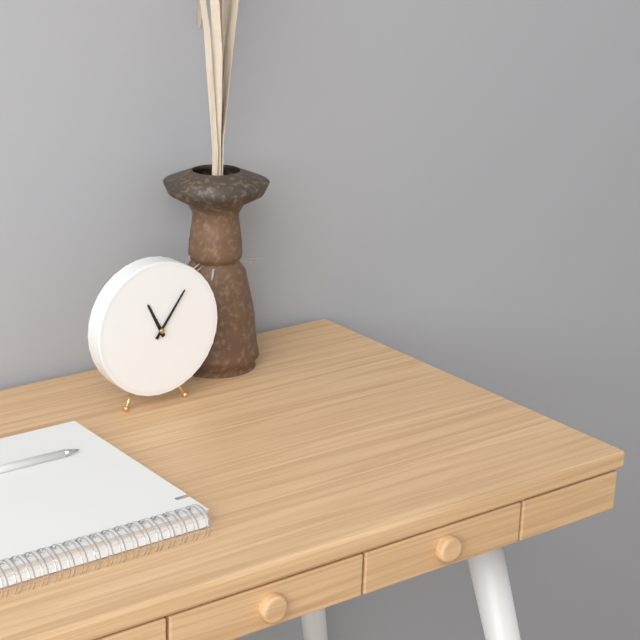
{"hour": 11, "minute": 6}
